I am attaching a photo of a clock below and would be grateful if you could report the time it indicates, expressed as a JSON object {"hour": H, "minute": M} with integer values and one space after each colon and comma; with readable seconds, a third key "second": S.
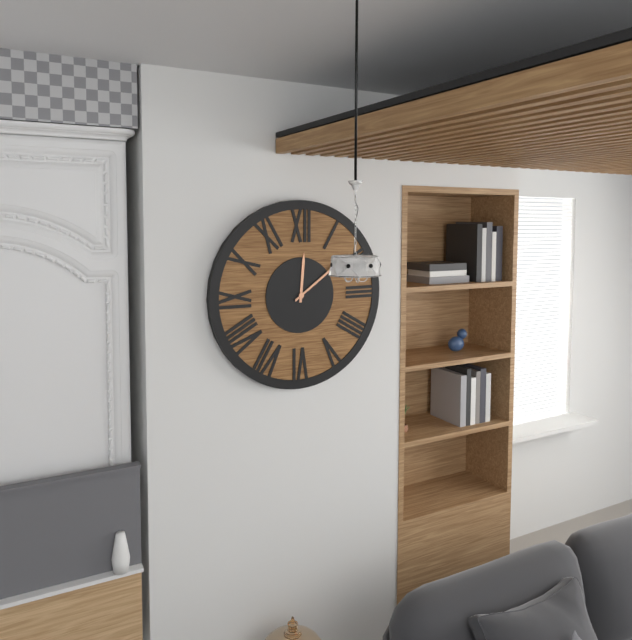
{"hour": 12, "minute": 9}
